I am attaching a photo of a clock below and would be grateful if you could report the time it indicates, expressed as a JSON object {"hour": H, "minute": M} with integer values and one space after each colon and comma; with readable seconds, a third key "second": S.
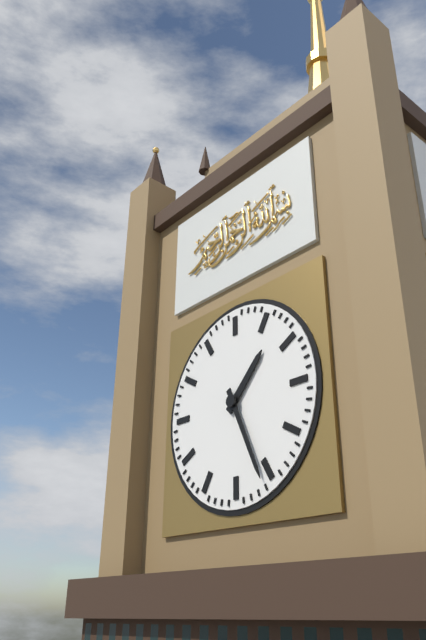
{"hour": 1, "minute": 26}
